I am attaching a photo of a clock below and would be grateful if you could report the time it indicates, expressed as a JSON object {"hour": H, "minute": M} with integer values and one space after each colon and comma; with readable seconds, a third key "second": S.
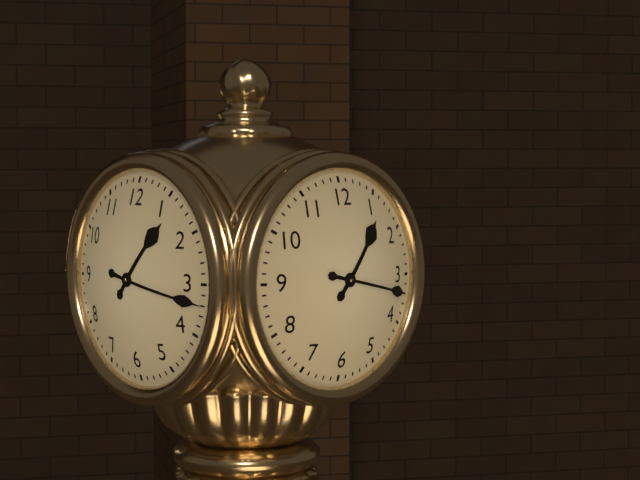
{"hour": 1, "minute": 17}
